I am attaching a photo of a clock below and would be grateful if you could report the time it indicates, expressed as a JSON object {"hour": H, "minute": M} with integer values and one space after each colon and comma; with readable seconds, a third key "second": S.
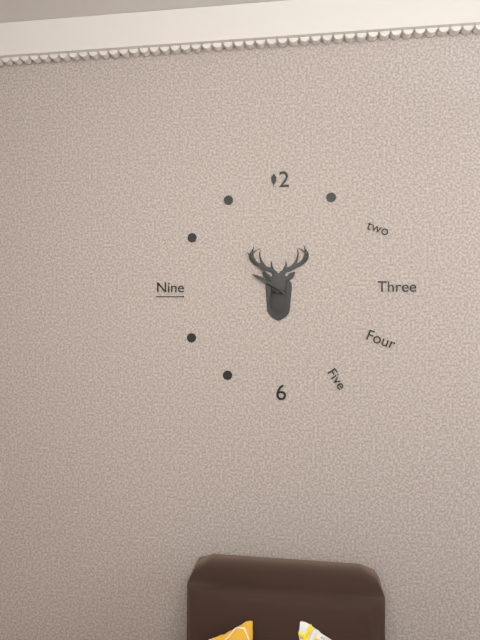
{"hour": 9, "minute": 53}
